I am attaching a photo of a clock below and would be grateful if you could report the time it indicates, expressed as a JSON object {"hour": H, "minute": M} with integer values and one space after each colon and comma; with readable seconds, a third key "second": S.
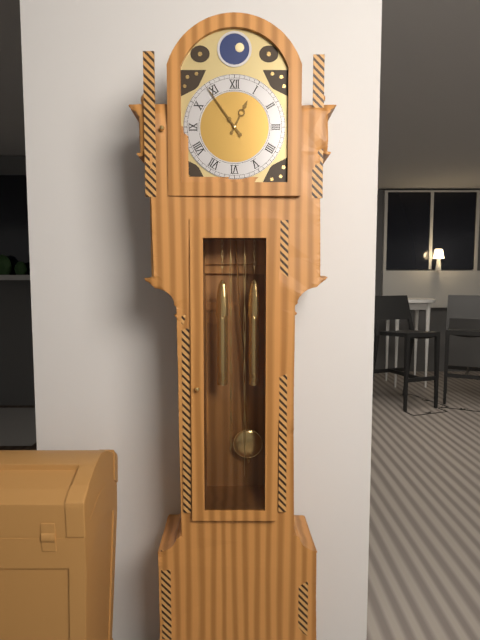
{"hour": 12, "minute": 54}
